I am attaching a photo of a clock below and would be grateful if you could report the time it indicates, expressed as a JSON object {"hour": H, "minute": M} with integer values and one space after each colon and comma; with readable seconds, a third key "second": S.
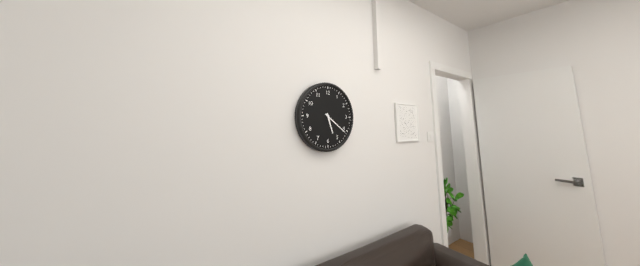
{"hour": 5, "minute": 21}
